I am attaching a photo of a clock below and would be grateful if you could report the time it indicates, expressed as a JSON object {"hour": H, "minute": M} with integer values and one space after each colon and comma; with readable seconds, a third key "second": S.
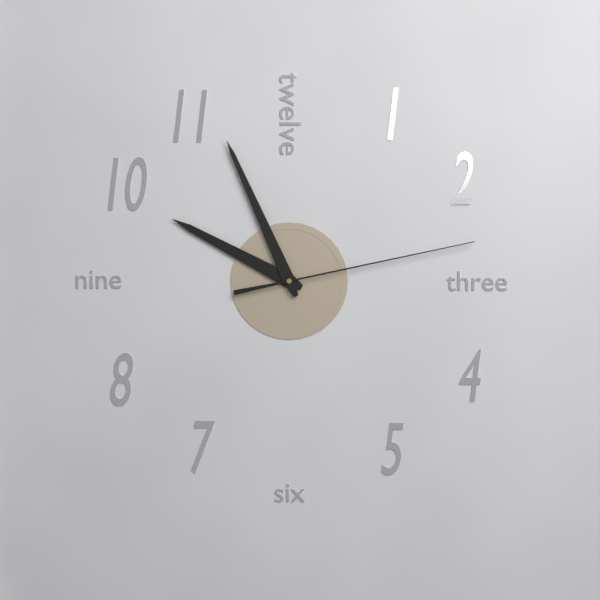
{"hour": 9, "minute": 56, "second": 13}
